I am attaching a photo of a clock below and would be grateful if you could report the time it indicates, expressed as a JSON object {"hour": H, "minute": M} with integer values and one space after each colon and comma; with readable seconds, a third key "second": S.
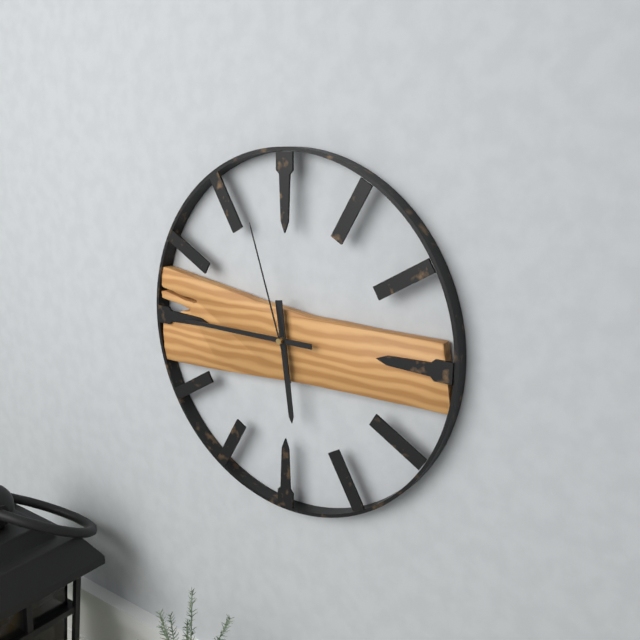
{"hour": 5, "minute": 45, "second": 57}
